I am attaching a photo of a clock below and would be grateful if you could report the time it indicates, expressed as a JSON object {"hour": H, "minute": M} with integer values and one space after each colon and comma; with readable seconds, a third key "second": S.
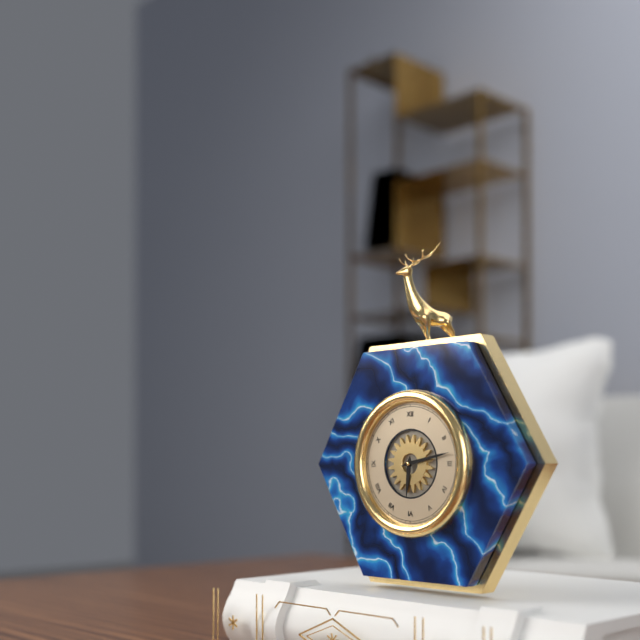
{"hour": 6, "minute": 13}
